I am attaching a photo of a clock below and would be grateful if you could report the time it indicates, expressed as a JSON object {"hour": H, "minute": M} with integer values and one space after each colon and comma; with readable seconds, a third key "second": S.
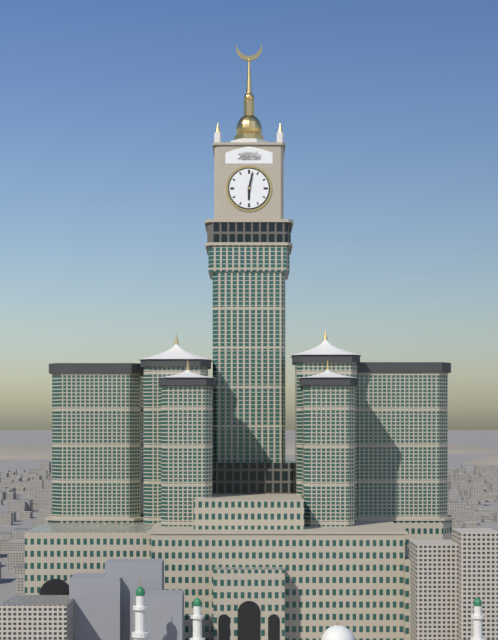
{"hour": 6, "minute": 2}
